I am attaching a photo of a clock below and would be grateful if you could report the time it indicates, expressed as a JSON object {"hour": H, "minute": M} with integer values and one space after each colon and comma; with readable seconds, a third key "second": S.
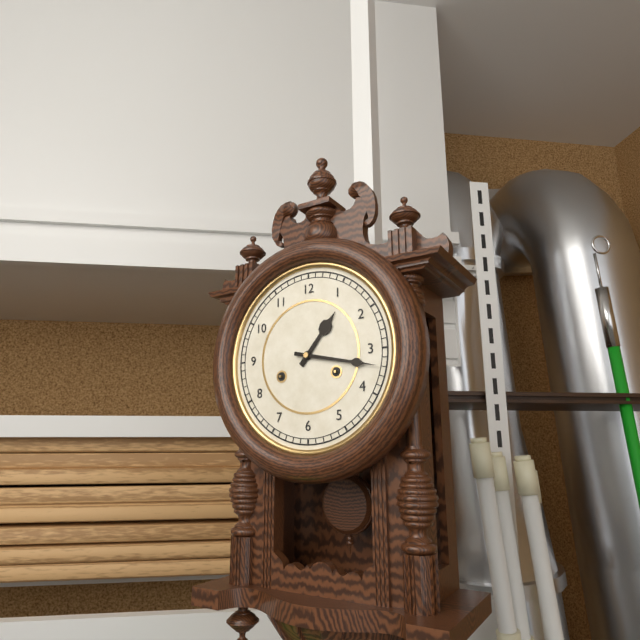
{"hour": 1, "minute": 17}
